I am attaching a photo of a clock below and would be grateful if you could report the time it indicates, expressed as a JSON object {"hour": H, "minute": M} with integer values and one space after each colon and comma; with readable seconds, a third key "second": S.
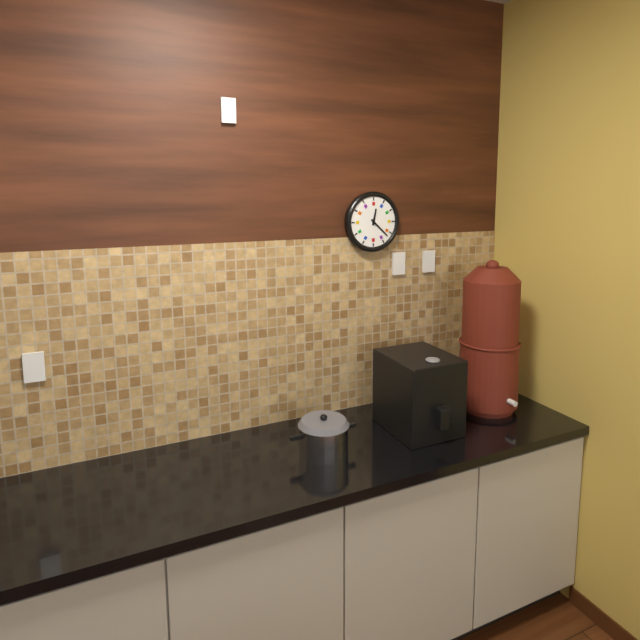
{"hour": 12, "minute": 22}
